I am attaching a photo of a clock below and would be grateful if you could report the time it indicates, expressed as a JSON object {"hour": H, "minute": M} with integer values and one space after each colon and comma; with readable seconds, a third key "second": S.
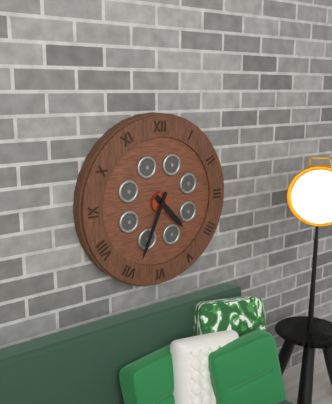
{"hour": 4, "minute": 34}
